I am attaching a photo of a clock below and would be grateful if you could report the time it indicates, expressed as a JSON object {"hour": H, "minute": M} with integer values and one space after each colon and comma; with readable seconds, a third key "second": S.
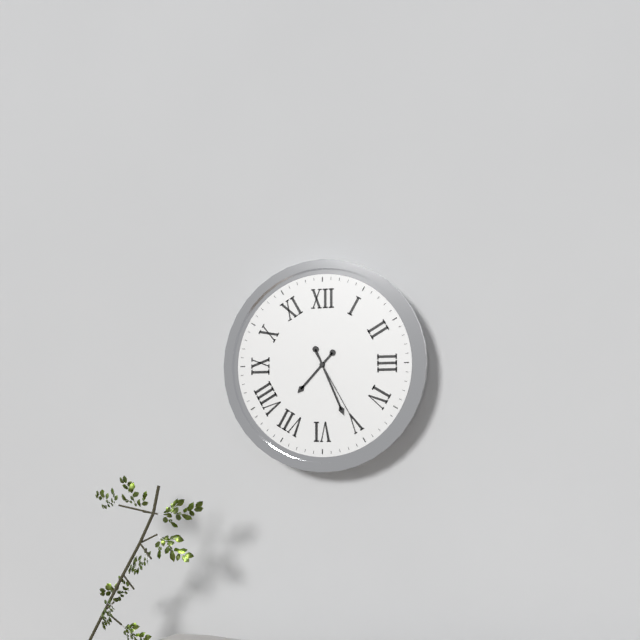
{"hour": 7, "minute": 26, "second": 25}
